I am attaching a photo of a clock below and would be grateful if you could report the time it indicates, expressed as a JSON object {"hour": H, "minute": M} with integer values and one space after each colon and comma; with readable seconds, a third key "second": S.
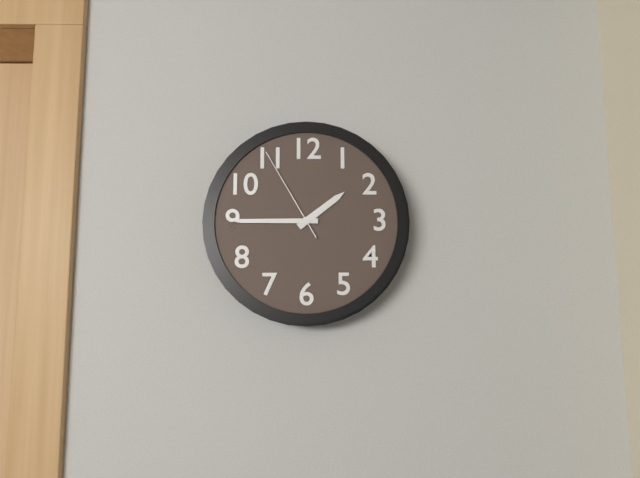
{"hour": 1, "minute": 45, "second": 55}
